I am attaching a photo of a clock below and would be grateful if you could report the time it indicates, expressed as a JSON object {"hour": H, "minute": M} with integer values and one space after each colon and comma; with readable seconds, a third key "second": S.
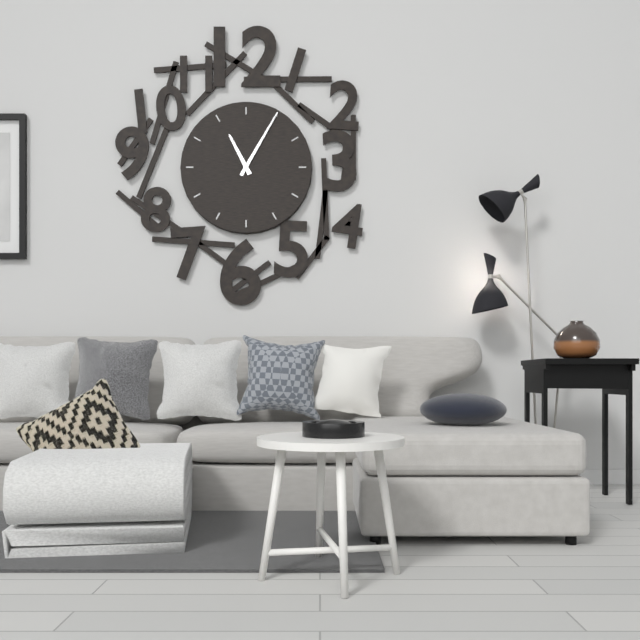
{"hour": 11, "minute": 5}
